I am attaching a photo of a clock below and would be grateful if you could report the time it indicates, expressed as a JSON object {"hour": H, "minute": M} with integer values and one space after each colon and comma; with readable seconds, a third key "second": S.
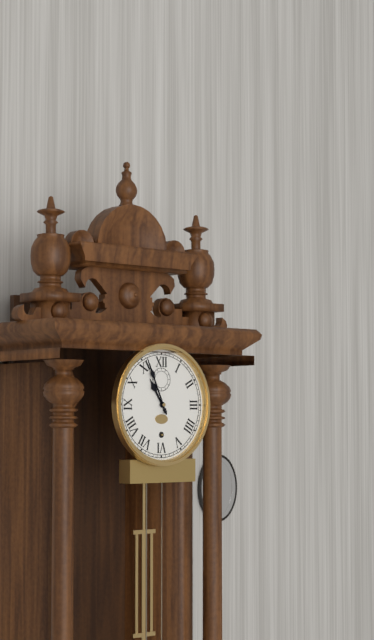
{"hour": 10, "minute": 56}
